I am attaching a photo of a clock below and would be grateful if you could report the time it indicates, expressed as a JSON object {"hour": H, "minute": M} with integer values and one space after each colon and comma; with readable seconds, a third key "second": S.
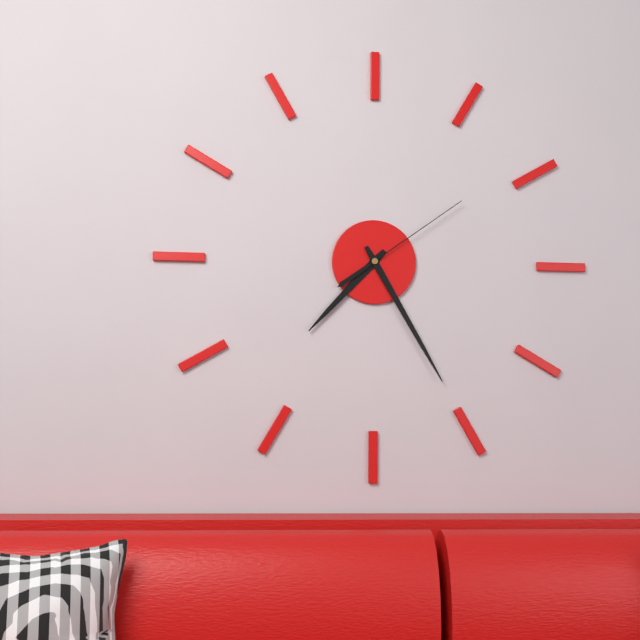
{"hour": 7, "minute": 25, "second": 9}
